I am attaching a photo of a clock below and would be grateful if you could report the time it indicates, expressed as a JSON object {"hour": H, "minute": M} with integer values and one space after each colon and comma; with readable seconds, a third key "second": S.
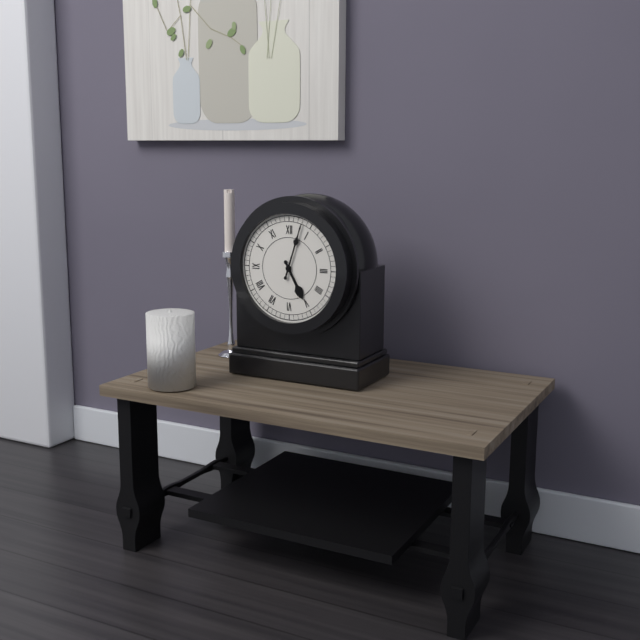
{"hour": 5, "minute": 3}
